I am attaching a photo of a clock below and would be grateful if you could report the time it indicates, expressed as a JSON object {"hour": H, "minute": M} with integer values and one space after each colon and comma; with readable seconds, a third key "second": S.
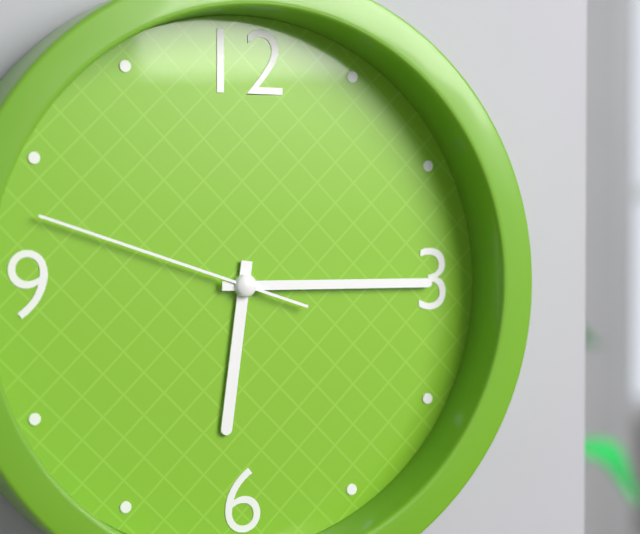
{"hour": 6, "minute": 15, "second": 48}
